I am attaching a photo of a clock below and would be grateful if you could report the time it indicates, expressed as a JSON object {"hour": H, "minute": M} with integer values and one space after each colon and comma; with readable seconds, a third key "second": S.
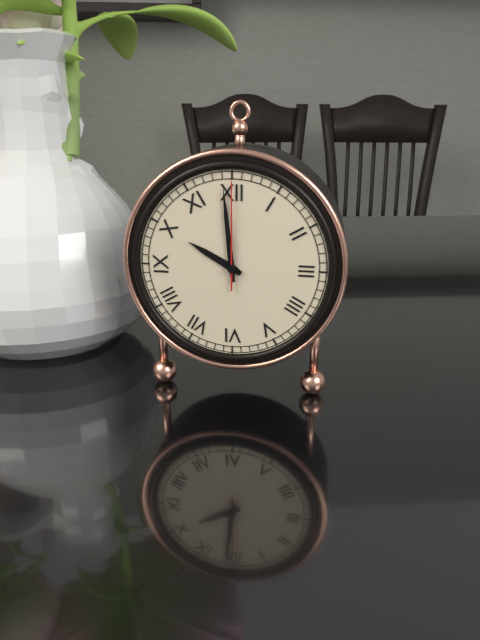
{"hour": 9, "minute": 59, "second": 0}
